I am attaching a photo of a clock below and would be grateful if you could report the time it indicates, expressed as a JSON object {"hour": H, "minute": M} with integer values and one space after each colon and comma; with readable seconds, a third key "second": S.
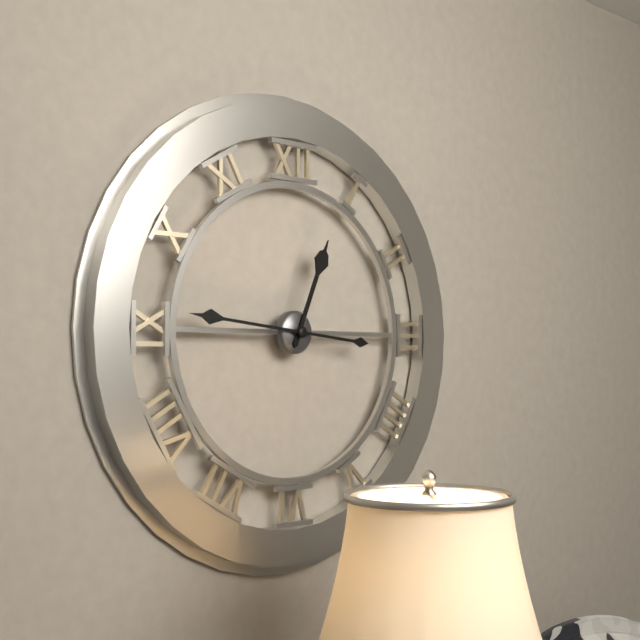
{"hour": 12, "minute": 46}
